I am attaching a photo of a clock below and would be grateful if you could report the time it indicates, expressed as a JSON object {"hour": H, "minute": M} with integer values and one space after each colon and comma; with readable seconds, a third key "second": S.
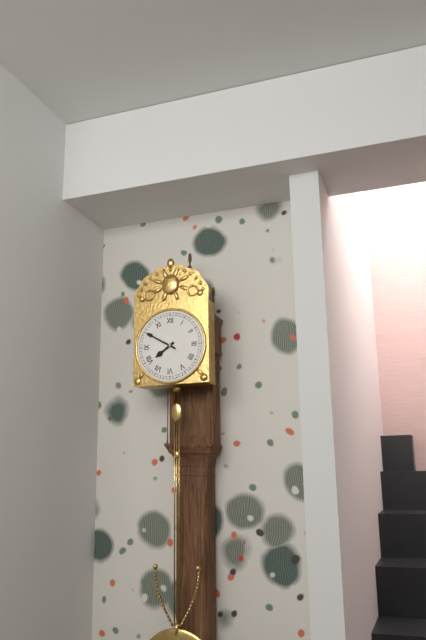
{"hour": 7, "minute": 50}
